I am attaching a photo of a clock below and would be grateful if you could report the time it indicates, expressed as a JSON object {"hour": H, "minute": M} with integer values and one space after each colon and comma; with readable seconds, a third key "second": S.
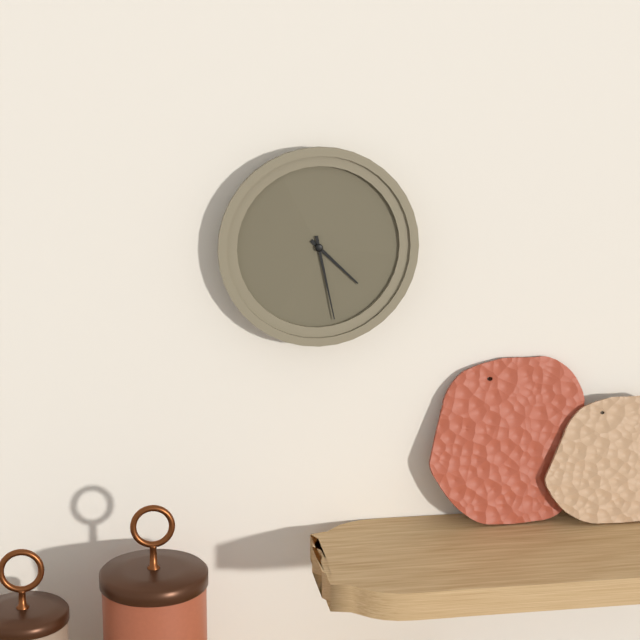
{"hour": 4, "minute": 28}
